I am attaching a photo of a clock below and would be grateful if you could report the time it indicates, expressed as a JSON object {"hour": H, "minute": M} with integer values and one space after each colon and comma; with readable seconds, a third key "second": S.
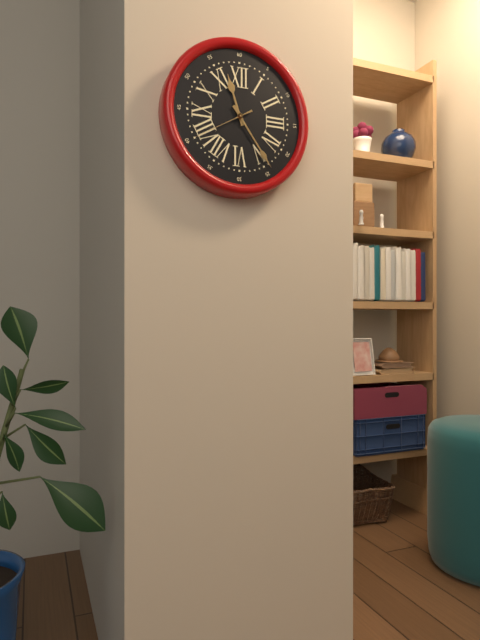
{"hour": 11, "minute": 24, "second": 40}
